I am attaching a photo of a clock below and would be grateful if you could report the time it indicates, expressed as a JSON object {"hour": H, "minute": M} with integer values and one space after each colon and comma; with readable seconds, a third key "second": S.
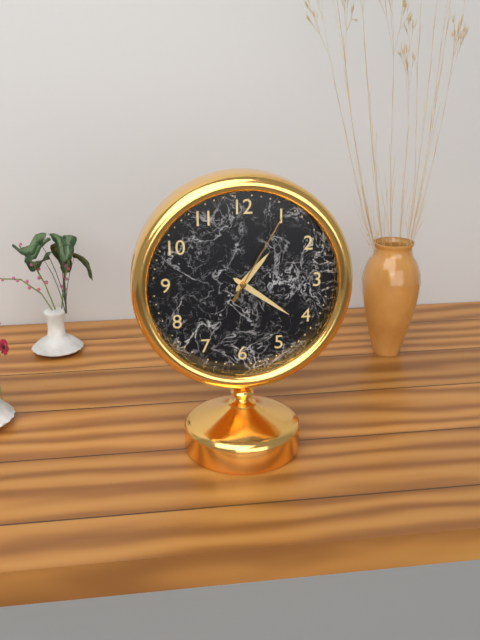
{"hour": 1, "minute": 21, "second": 5}
